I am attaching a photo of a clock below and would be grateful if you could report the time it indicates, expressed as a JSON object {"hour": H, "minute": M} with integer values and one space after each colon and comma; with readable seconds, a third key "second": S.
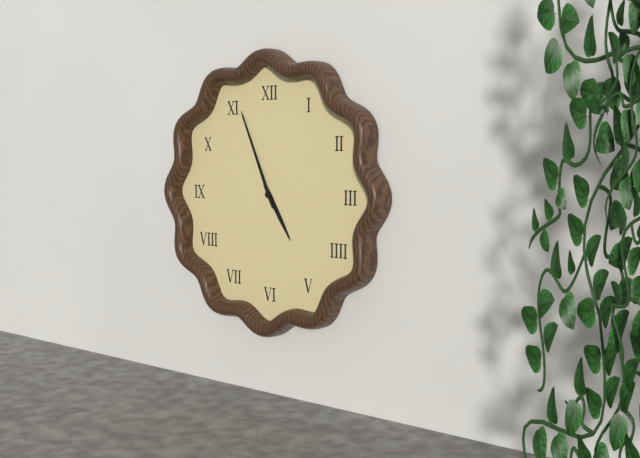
{"hour": 4, "minute": 56}
